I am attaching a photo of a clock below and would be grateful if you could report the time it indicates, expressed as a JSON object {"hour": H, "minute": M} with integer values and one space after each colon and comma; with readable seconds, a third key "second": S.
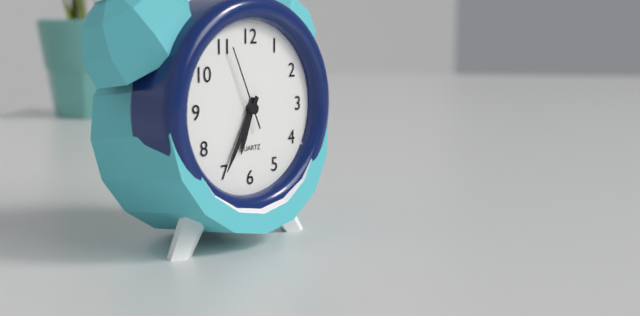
{"hour": 6, "minute": 35, "second": 56}
